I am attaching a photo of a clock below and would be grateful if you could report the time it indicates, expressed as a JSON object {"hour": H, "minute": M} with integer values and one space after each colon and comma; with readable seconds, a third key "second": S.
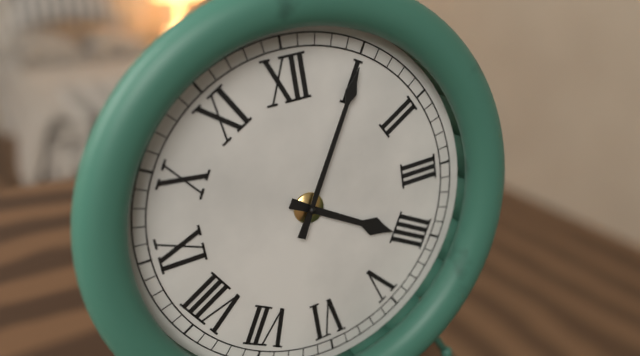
{"hour": 4, "minute": 5}
